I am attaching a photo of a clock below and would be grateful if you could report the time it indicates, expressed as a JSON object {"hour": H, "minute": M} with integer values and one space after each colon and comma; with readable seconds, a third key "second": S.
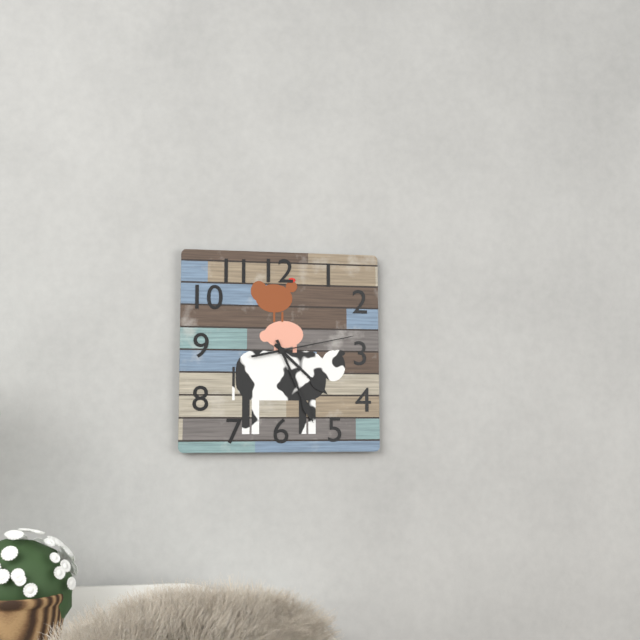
{"hour": 4, "minute": 26, "second": 13}
